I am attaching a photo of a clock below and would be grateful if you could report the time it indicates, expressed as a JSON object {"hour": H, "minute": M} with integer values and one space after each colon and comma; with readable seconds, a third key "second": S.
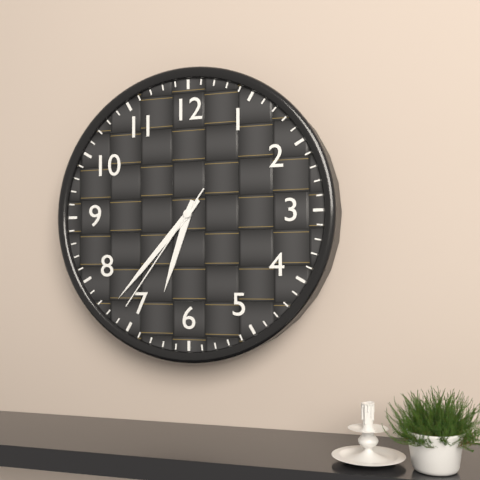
{"hour": 6, "minute": 37, "second": 36}
